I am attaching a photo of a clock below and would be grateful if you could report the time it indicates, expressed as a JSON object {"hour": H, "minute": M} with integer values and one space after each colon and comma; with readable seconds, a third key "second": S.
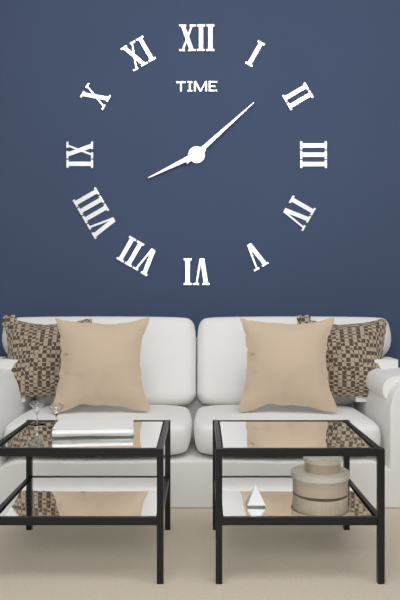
{"hour": 8, "minute": 8}
